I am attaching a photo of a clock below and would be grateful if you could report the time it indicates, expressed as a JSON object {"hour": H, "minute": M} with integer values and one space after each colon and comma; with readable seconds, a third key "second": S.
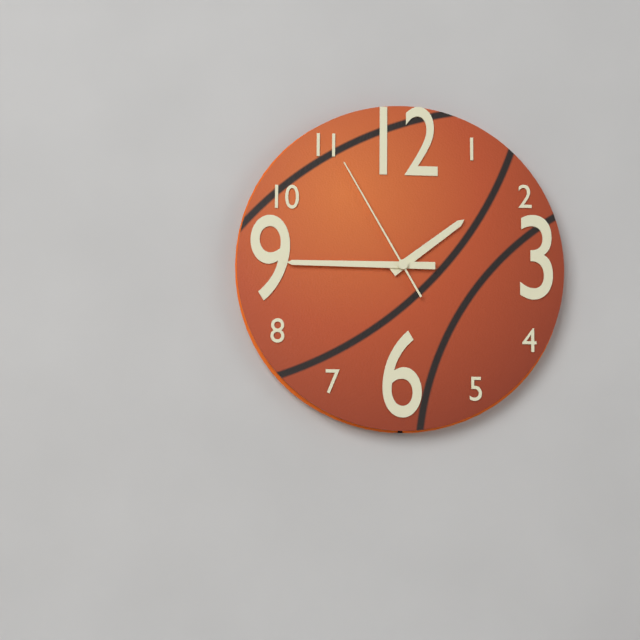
{"hour": 1, "minute": 45, "second": 55}
